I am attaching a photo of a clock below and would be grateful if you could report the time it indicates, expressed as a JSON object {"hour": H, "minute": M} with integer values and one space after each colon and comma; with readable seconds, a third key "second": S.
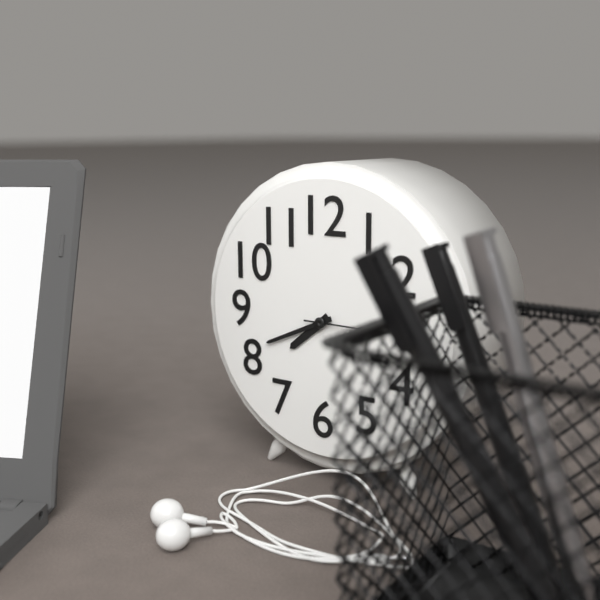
{"hour": 7, "minute": 41}
